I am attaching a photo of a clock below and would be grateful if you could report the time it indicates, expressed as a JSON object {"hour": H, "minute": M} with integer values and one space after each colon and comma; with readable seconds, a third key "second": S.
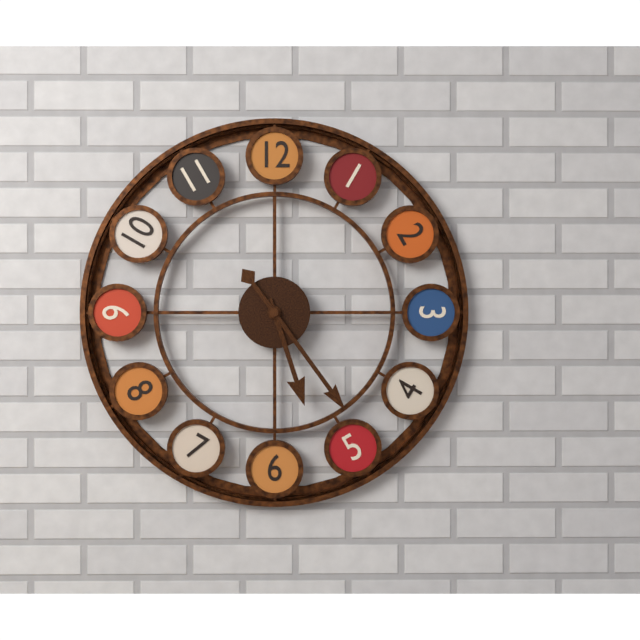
{"hour": 5, "minute": 24}
